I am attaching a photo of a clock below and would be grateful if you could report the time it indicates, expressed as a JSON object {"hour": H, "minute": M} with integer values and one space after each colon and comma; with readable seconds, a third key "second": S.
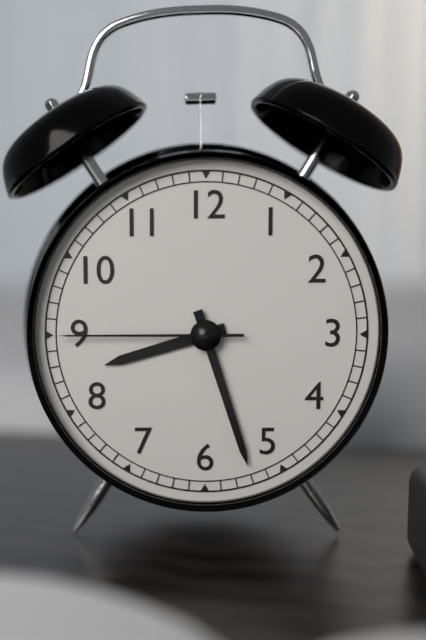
{"hour": 8, "minute": 27, "second": 45}
